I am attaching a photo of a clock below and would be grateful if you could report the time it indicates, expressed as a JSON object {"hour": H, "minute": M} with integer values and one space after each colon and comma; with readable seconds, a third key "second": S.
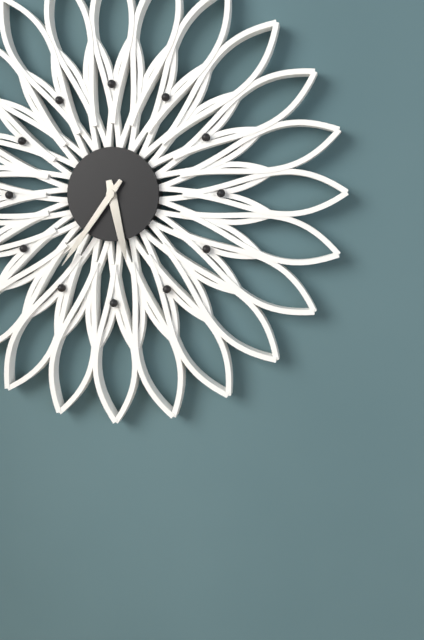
{"hour": 5, "minute": 36}
